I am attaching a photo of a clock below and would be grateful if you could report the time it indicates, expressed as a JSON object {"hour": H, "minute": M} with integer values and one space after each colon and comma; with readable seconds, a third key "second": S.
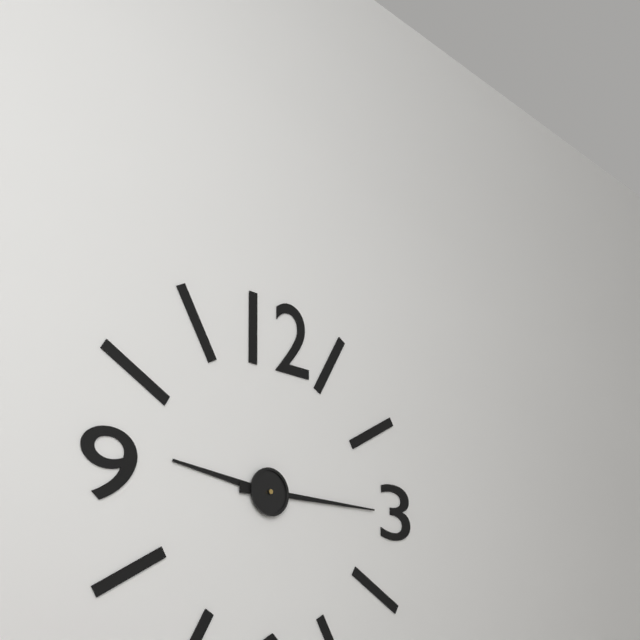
{"hour": 9, "minute": 15}
